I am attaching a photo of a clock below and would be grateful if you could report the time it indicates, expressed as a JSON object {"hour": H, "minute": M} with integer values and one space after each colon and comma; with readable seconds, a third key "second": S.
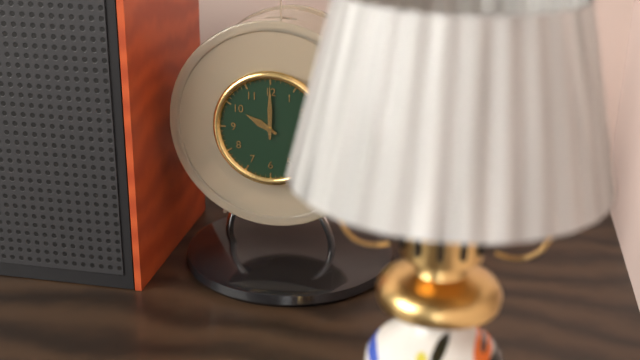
{"hour": 10, "minute": 0}
